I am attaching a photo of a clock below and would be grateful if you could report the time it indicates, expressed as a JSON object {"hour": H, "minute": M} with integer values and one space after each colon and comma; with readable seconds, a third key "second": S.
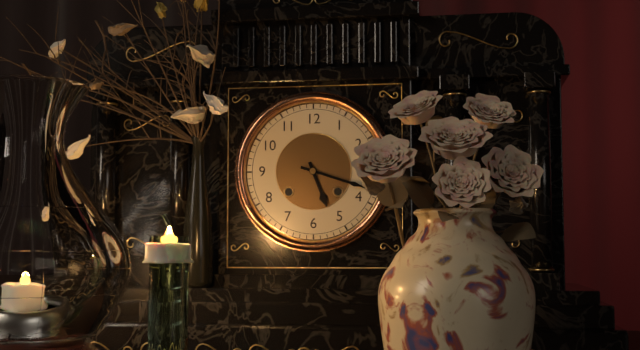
{"hour": 5, "minute": 18}
